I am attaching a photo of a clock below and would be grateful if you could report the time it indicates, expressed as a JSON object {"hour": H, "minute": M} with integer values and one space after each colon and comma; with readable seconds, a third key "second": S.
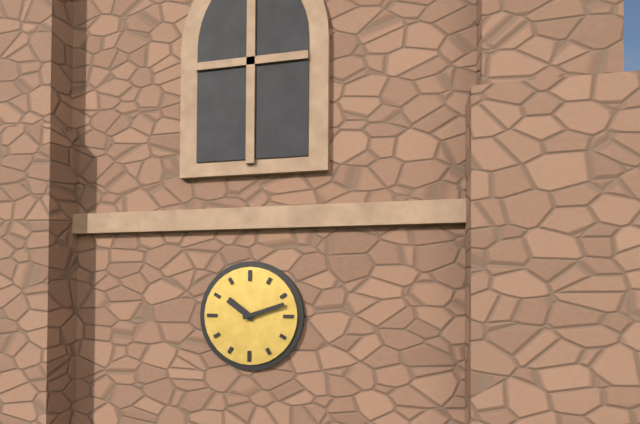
{"hour": 10, "minute": 12}
